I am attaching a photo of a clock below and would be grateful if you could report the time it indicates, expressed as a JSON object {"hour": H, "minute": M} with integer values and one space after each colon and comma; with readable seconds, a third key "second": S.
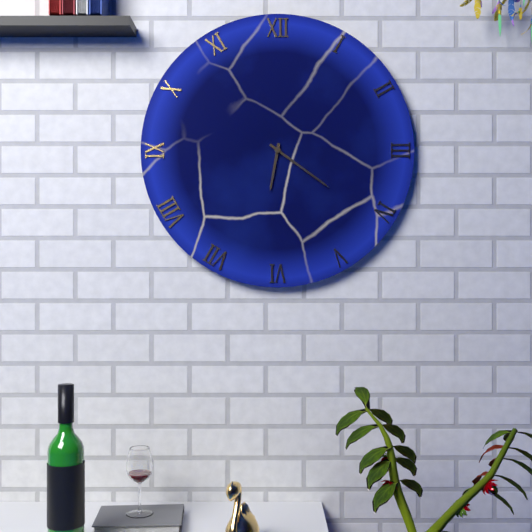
{"hour": 6, "minute": 21}
